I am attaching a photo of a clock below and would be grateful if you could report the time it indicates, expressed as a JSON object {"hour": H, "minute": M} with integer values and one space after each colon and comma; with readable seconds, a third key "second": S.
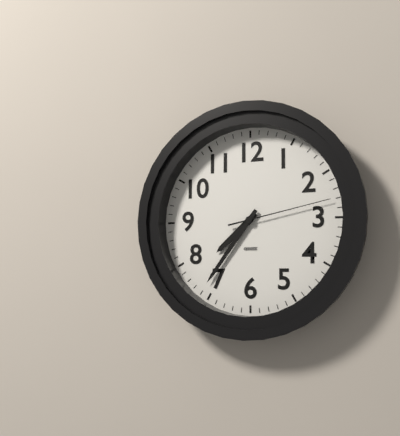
{"hour": 7, "minute": 36, "second": 13}
